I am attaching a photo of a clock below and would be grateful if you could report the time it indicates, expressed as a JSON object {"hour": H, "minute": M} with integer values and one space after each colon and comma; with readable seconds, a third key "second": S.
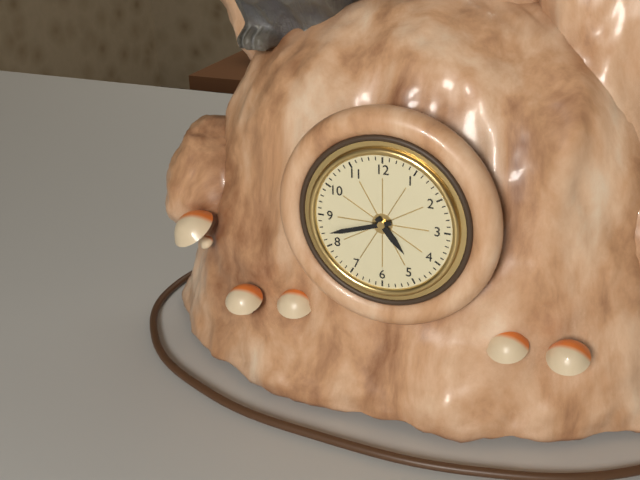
{"hour": 4, "minute": 42}
